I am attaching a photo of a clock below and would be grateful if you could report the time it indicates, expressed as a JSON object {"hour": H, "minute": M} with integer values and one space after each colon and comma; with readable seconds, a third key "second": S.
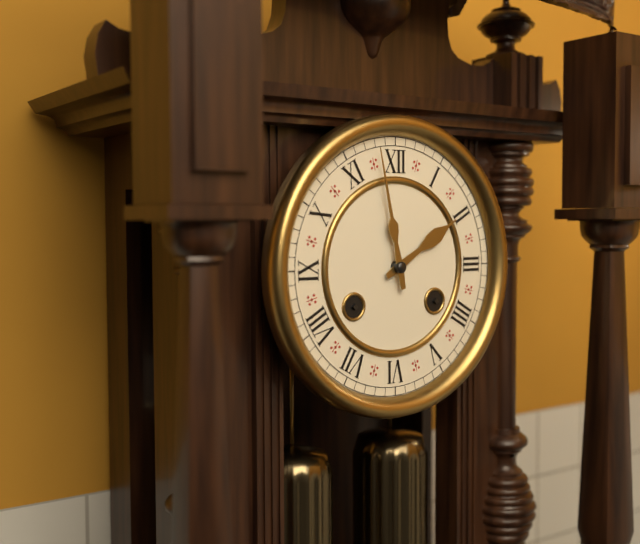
{"hour": 1, "minute": 58}
